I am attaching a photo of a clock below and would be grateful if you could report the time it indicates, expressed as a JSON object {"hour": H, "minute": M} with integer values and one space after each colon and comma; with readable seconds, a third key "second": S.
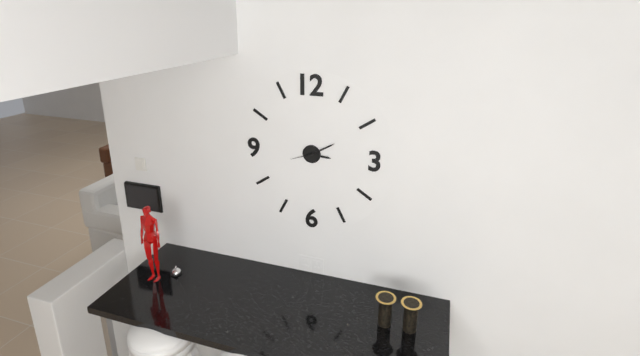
{"hour": 3, "minute": 10}
